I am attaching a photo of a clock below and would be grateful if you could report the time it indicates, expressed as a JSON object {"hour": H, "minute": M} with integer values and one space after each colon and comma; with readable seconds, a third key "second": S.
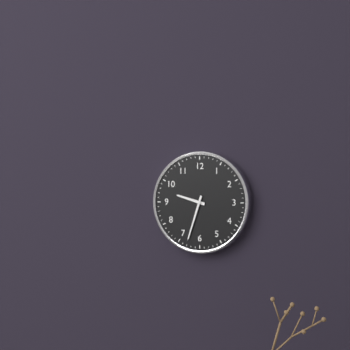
{"hour": 9, "minute": 33}
